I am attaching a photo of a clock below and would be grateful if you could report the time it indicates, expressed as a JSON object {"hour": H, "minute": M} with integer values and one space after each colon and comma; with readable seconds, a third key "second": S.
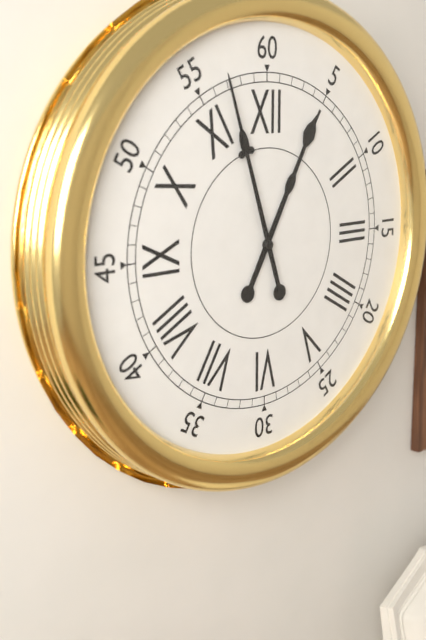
{"hour": 12, "minute": 57}
